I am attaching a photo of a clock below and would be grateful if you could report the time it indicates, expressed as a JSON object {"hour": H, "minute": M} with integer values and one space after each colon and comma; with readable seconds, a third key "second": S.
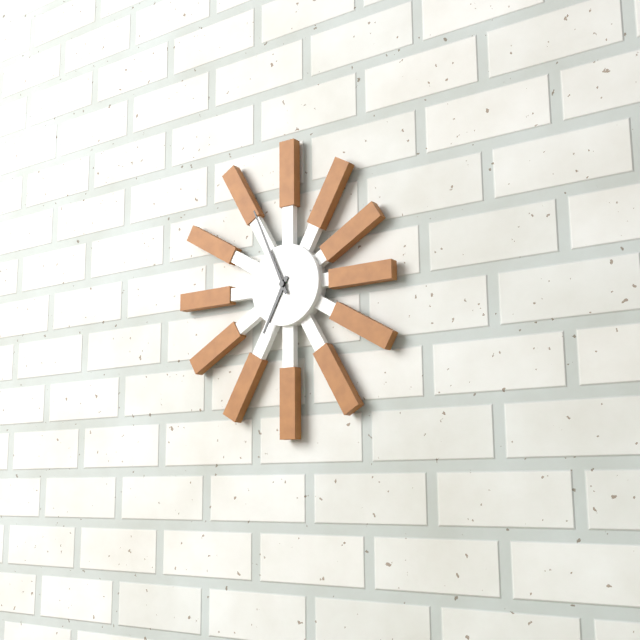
{"hour": 6, "minute": 56}
